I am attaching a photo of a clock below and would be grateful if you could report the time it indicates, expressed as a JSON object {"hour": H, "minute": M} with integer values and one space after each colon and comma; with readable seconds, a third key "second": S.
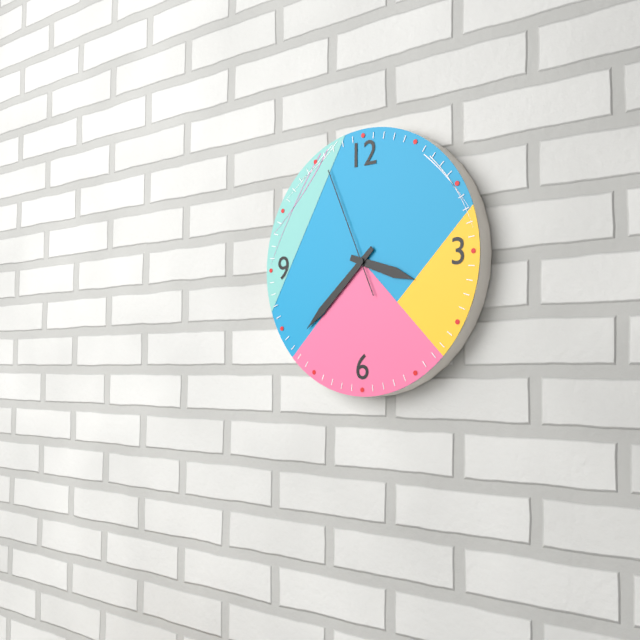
{"hour": 3, "minute": 38, "second": 56}
